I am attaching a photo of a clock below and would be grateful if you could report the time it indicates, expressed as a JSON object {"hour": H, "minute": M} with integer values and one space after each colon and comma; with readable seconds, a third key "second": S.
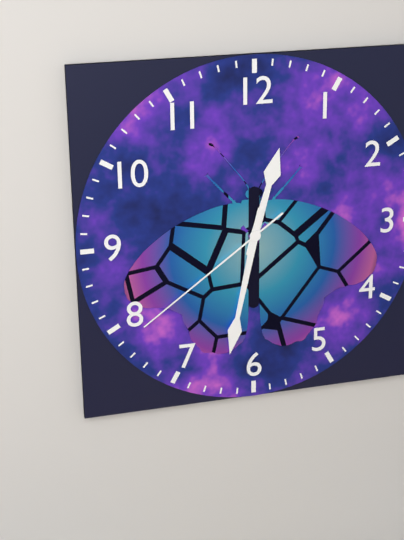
{"hour": 12, "minute": 32, "second": 39}
